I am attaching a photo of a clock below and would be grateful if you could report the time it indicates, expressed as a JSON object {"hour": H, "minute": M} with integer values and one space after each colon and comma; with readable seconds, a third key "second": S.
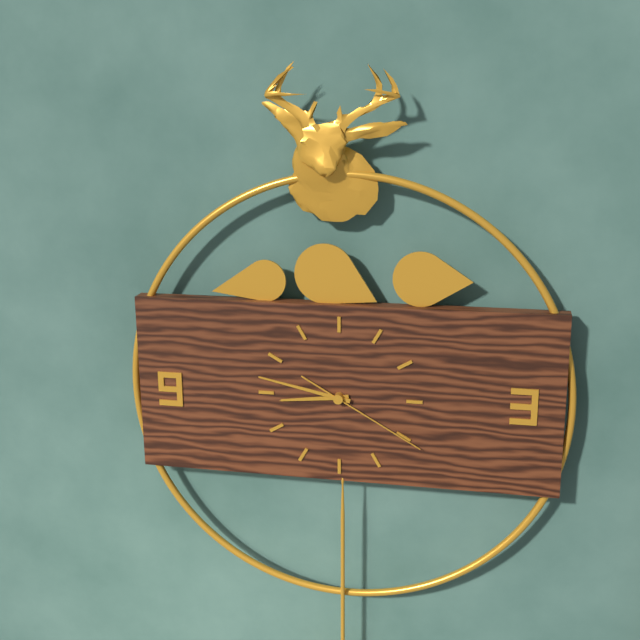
{"hour": 8, "minute": 47, "second": 20}
